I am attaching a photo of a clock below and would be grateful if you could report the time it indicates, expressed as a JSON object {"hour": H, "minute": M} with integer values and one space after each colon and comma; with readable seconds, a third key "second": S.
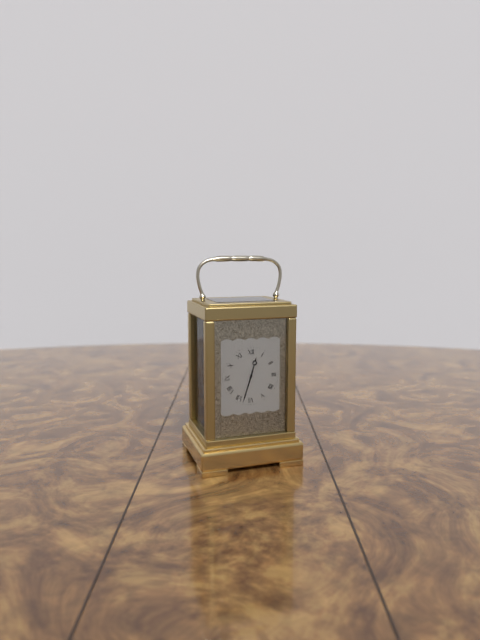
{"hour": 12, "minute": 33}
